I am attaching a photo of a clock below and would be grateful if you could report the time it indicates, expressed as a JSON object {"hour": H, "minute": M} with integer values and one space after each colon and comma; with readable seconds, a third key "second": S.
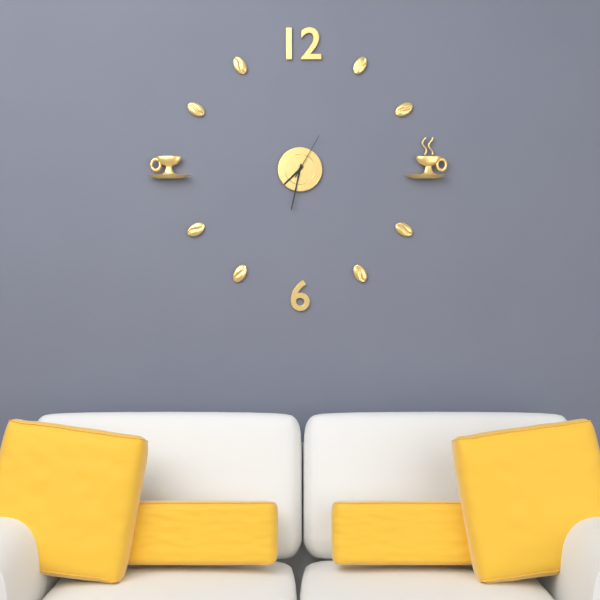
{"hour": 7, "minute": 32}
